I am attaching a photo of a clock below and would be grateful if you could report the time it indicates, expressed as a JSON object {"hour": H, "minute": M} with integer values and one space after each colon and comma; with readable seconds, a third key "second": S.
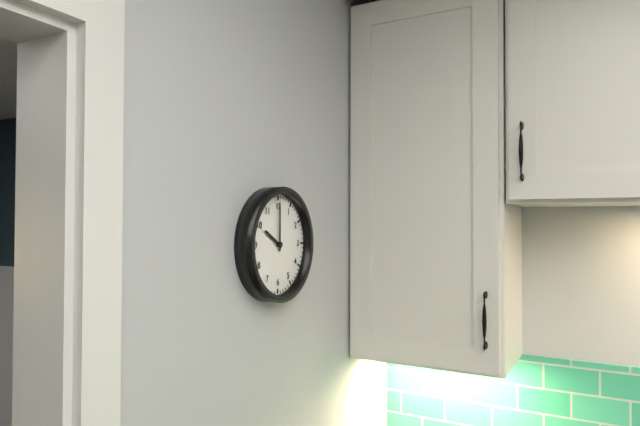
{"hour": 10, "minute": 0}
